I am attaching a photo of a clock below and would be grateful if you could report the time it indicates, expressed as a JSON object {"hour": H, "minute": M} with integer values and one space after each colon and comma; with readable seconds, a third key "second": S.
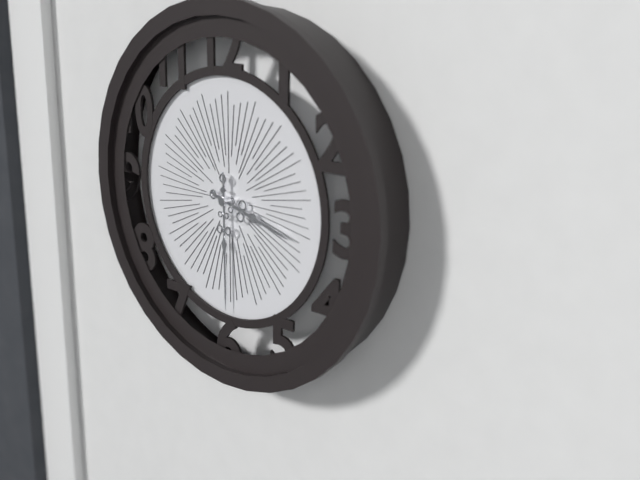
{"hour": 3, "minute": 30}
